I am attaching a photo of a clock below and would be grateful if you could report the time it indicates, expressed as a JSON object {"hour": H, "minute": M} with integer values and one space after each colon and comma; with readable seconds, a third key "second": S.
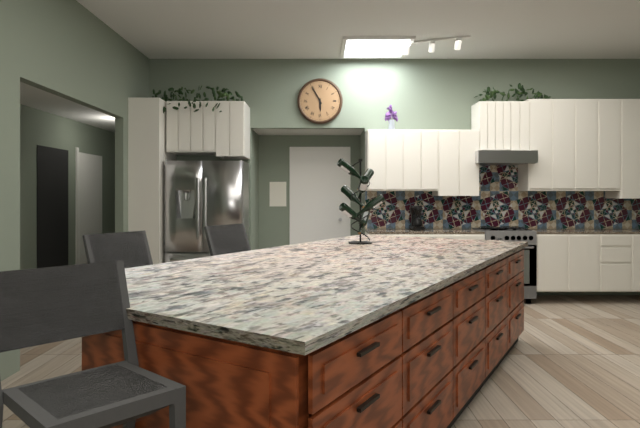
{"hour": 5, "minute": 55}
